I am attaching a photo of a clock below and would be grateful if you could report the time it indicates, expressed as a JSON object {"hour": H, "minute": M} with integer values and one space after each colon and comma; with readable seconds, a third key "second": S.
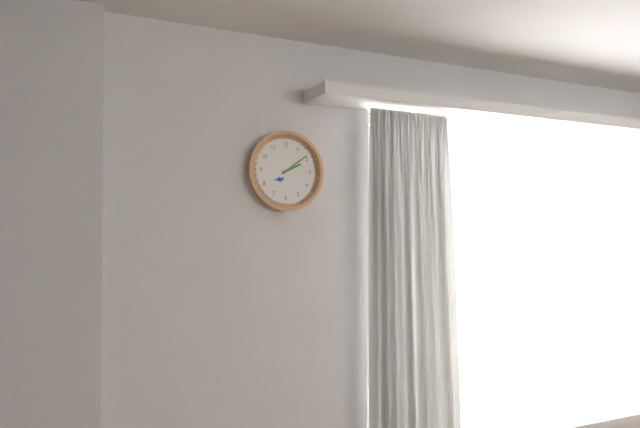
{"hour": 2, "minute": 9}
